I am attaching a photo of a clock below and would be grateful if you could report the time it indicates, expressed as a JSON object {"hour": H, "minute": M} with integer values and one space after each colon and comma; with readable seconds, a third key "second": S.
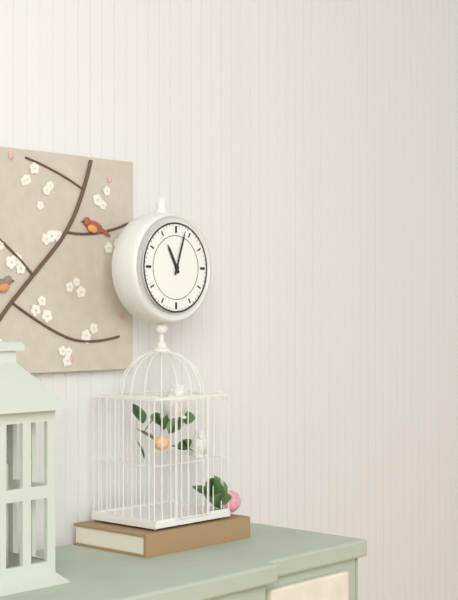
{"hour": 11, "minute": 3}
